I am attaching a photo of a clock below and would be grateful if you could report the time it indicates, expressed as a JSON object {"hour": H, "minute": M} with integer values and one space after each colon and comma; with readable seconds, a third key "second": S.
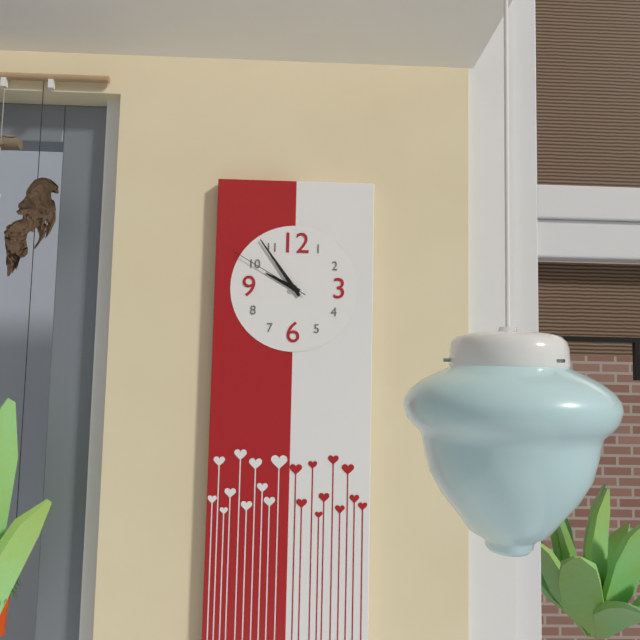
{"hour": 9, "minute": 54, "second": 50}
